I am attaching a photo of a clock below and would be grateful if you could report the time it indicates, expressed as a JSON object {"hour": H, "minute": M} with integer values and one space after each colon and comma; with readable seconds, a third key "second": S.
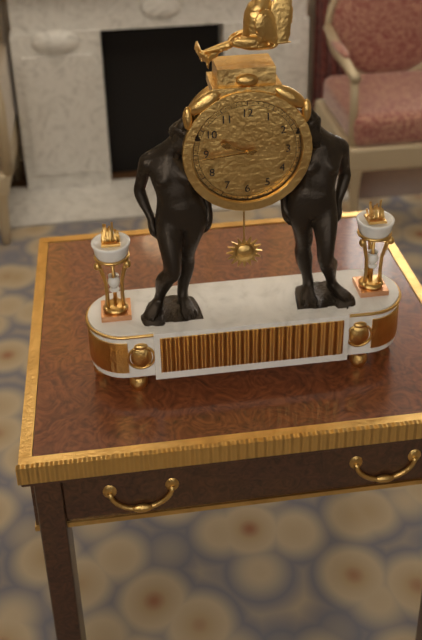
{"hour": 9, "minute": 44}
